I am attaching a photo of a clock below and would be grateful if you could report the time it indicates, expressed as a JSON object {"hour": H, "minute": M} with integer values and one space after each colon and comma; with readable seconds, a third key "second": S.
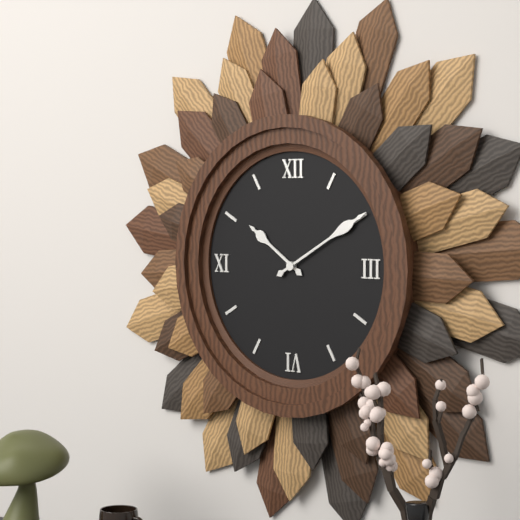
{"hour": 10, "minute": 10}
